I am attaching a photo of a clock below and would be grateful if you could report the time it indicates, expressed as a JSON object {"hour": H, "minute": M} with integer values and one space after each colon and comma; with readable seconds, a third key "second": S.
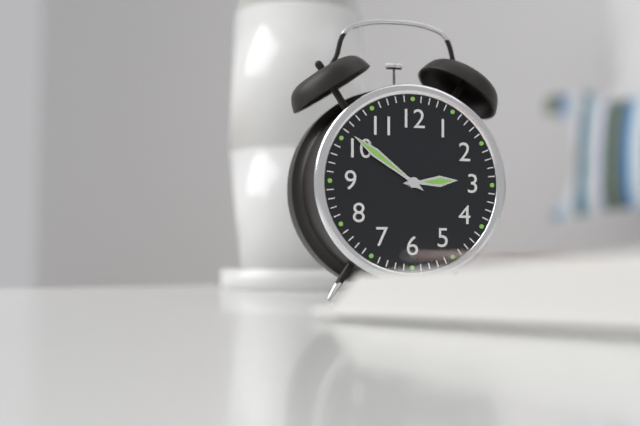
{"hour": 2, "minute": 51}
